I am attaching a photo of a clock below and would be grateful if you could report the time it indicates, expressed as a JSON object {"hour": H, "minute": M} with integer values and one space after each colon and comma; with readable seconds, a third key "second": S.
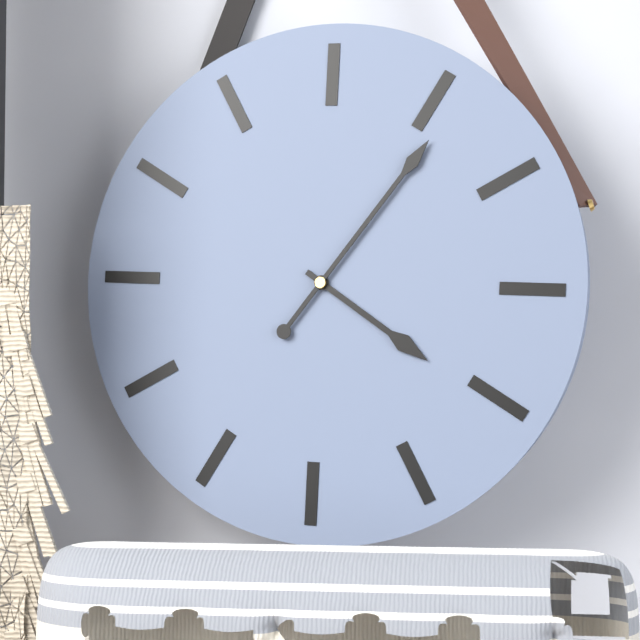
{"hour": 4, "minute": 6}
